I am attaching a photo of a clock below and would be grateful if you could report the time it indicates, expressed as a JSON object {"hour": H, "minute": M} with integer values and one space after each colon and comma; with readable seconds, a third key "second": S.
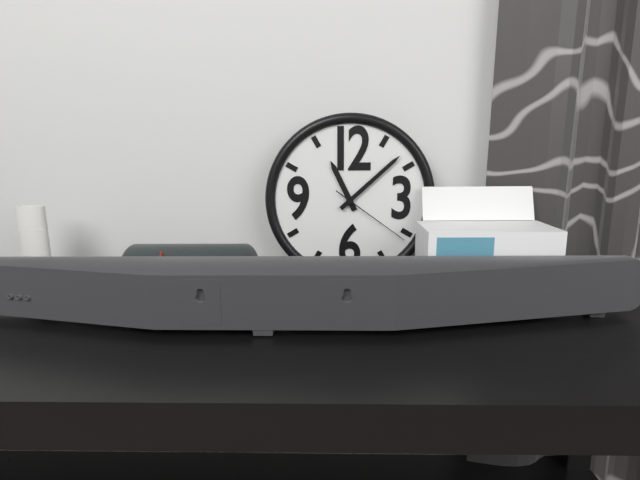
{"hour": 11, "minute": 8, "second": 21}
